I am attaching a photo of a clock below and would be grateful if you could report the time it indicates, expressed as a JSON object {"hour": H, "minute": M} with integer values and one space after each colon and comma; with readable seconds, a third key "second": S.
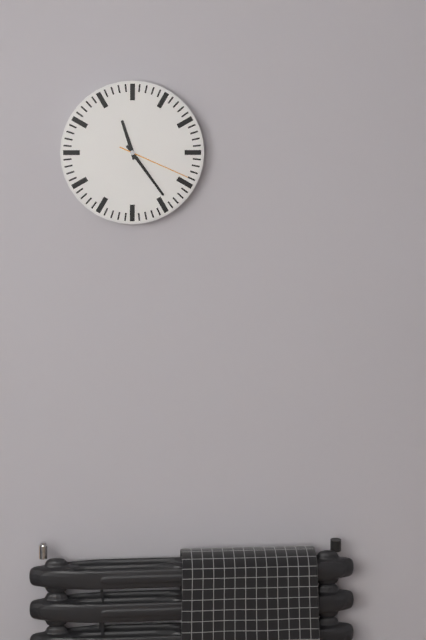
{"hour": 11, "minute": 24, "second": 19}
